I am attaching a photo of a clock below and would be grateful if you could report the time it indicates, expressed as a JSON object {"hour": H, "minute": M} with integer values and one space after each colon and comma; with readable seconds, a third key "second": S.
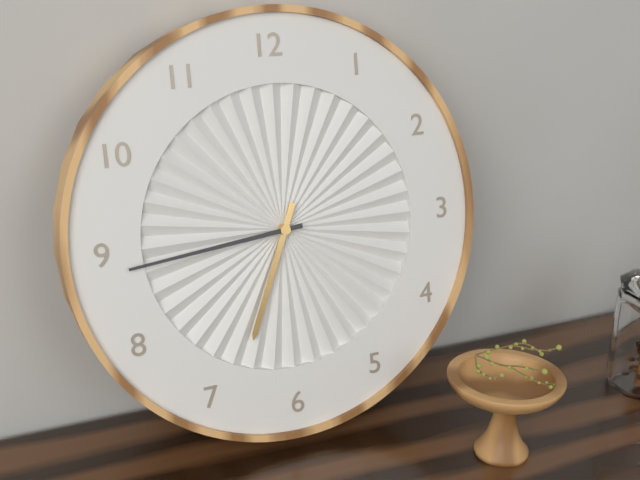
{"hour": 6, "minute": 44}
